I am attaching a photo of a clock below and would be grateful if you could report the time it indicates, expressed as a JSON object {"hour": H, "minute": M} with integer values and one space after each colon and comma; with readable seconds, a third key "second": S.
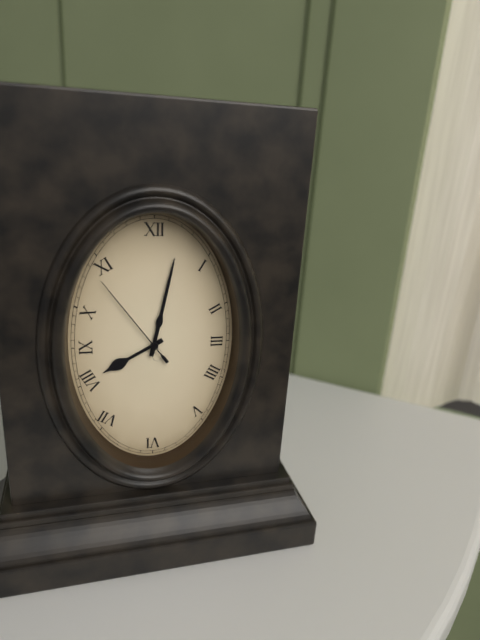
{"hour": 8, "minute": 2, "second": 54}
